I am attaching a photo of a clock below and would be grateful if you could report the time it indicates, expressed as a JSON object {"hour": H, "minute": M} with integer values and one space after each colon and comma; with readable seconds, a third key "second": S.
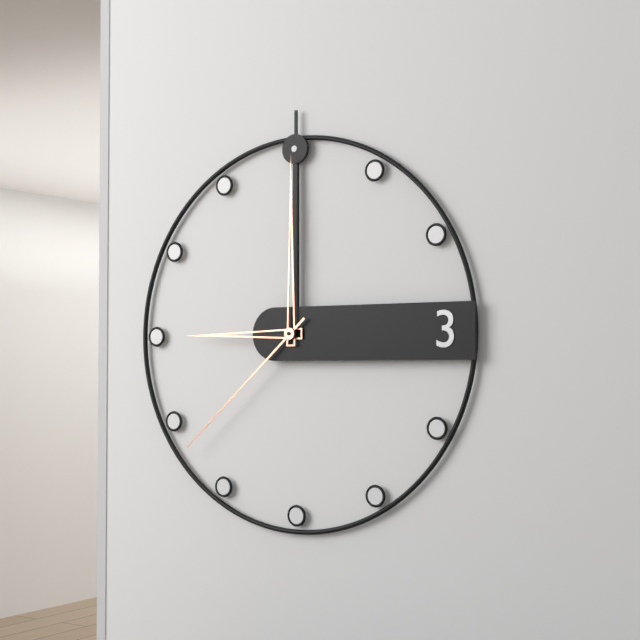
{"hour": 9, "minute": 0, "second": 38}
